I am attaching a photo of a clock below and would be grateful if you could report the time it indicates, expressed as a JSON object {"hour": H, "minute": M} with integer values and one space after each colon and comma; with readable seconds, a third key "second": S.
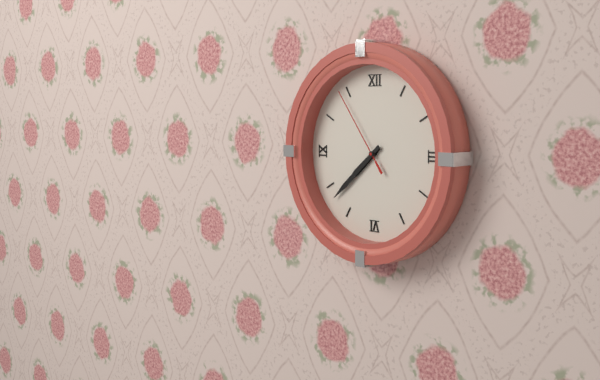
{"hour": 7, "minute": 38, "second": 54}
